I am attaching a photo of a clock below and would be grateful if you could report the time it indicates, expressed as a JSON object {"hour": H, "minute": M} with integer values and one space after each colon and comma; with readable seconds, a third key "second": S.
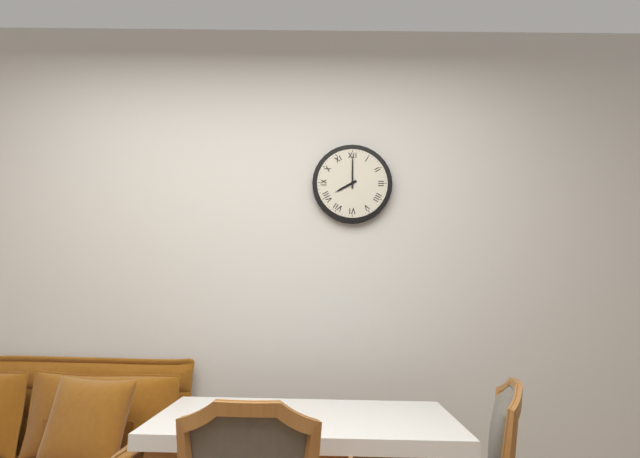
{"hour": 8, "minute": 0}
